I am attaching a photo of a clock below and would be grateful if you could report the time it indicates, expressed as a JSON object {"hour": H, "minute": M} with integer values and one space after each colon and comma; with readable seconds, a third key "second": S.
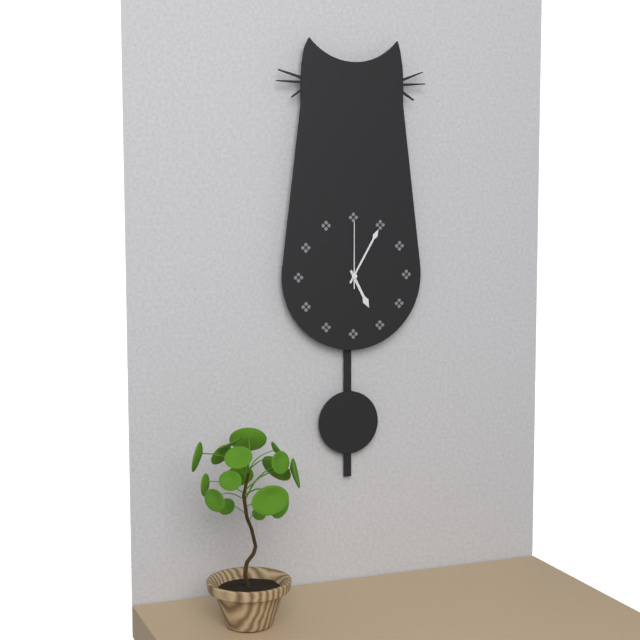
{"hour": 5, "minute": 5, "second": 0}
